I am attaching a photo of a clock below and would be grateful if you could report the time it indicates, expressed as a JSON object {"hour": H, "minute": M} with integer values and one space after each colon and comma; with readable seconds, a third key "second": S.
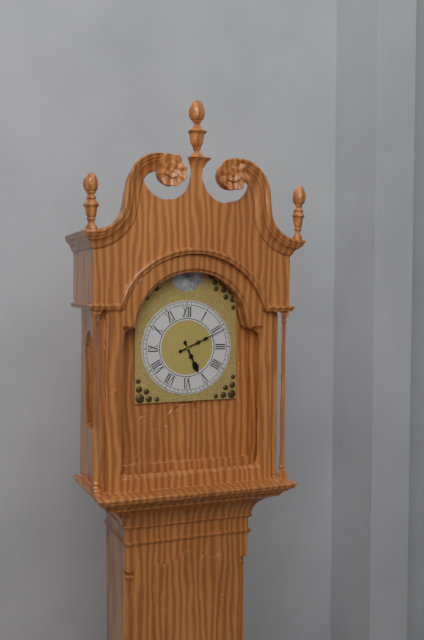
{"hour": 5, "minute": 11}
